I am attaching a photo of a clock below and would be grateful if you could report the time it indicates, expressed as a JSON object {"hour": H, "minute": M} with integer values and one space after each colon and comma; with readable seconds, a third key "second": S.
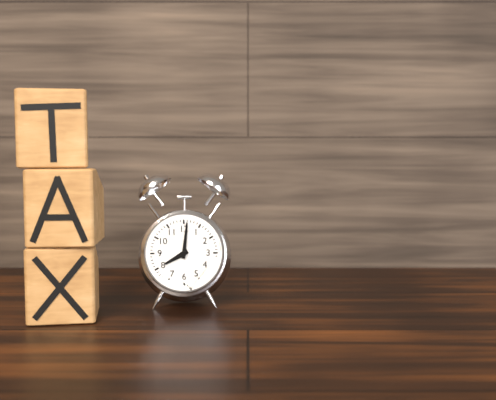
{"hour": 8, "minute": 1}
